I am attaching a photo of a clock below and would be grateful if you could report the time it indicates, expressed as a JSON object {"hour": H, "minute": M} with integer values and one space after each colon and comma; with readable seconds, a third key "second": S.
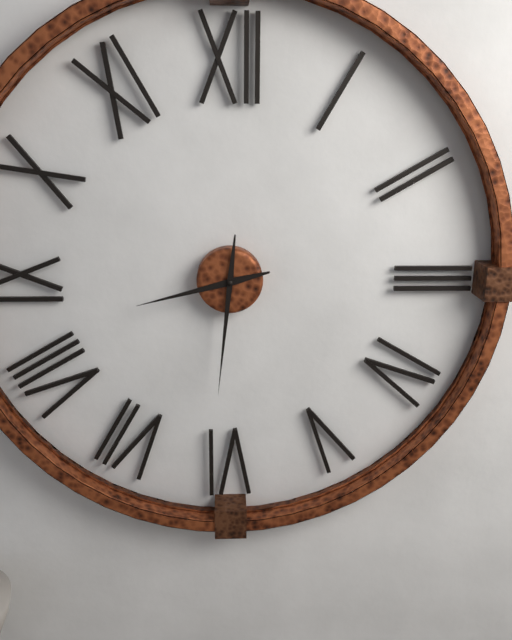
{"hour": 8, "minute": 31}
